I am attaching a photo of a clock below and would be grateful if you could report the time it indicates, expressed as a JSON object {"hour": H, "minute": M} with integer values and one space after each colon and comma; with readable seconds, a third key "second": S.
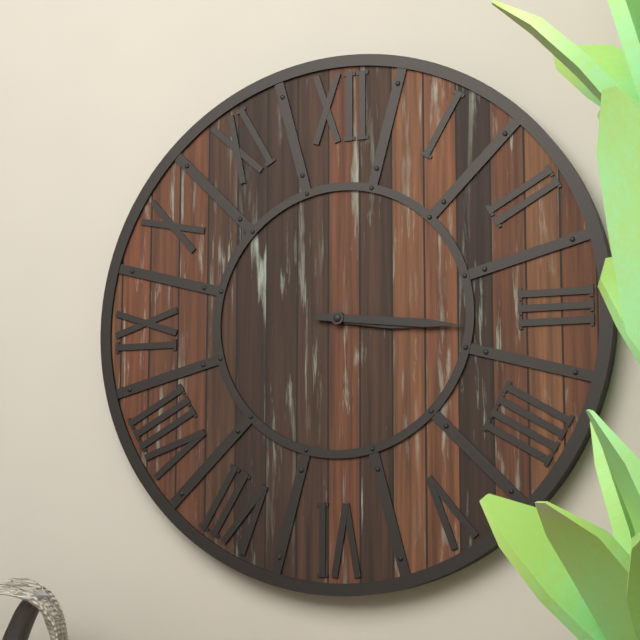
{"hour": 3, "minute": 16}
